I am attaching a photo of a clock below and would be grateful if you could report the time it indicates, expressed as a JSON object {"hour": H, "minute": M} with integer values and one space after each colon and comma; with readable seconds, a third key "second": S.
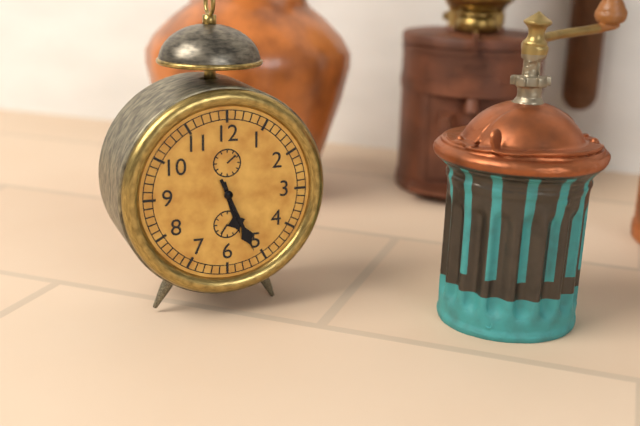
{"hour": 5, "minute": 26}
